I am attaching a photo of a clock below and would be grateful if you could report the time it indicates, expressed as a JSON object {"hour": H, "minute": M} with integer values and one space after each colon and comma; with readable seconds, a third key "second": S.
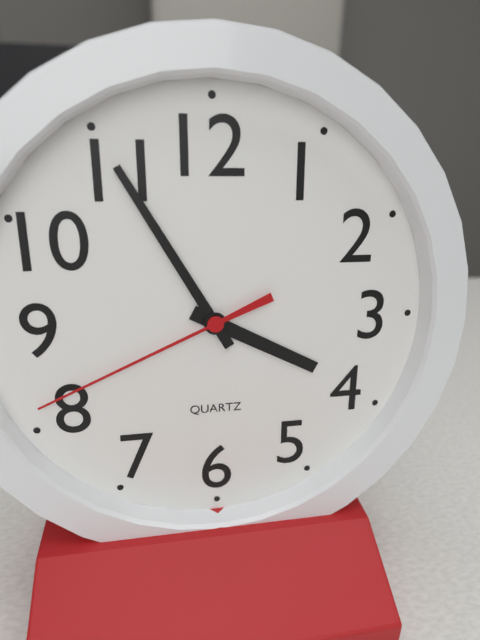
{"hour": 3, "minute": 55, "second": 41}
